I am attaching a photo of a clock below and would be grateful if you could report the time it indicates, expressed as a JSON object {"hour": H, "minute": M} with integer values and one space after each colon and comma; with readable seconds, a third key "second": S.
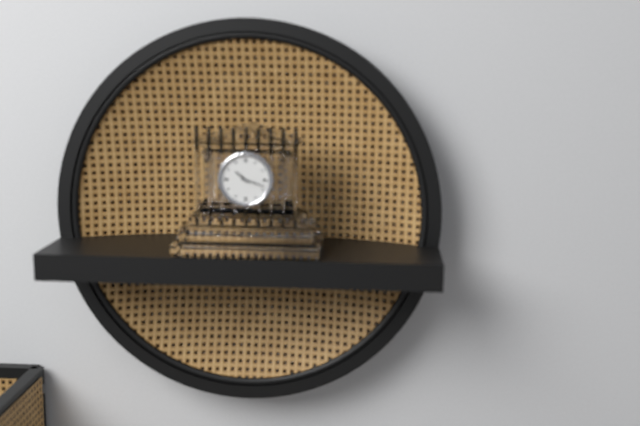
{"hour": 10, "minute": 18}
